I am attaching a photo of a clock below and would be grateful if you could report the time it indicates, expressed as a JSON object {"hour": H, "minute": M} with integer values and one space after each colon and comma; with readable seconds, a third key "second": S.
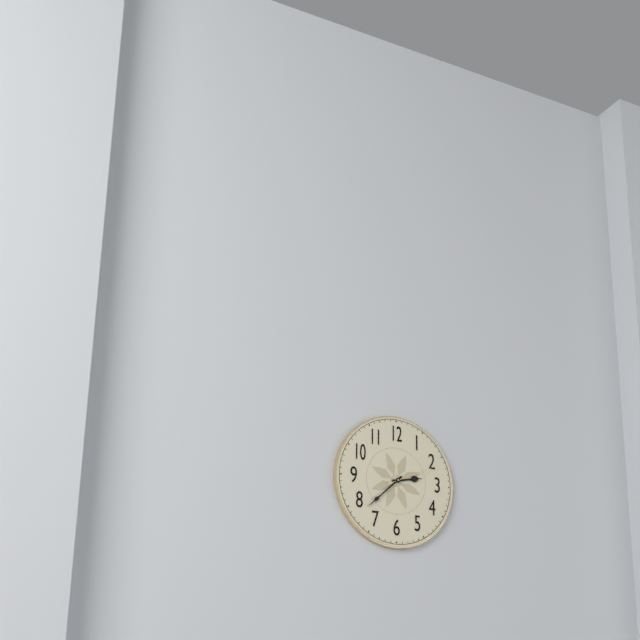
{"hour": 2, "minute": 38, "second": 11}
